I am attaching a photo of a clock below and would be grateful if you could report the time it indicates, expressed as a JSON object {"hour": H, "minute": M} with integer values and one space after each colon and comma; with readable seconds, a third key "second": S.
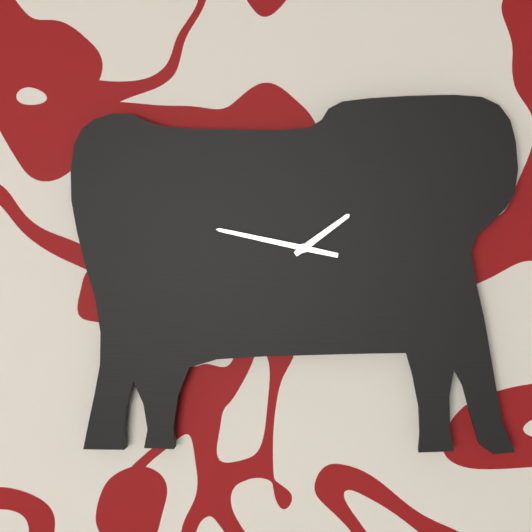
{"hour": 1, "minute": 47}
